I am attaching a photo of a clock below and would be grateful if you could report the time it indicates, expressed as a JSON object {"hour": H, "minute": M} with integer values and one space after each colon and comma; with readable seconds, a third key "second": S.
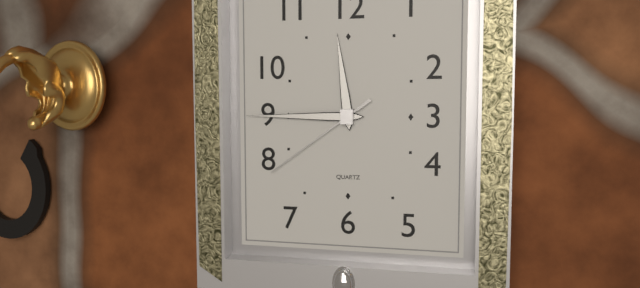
{"hour": 11, "minute": 45, "second": 39}
